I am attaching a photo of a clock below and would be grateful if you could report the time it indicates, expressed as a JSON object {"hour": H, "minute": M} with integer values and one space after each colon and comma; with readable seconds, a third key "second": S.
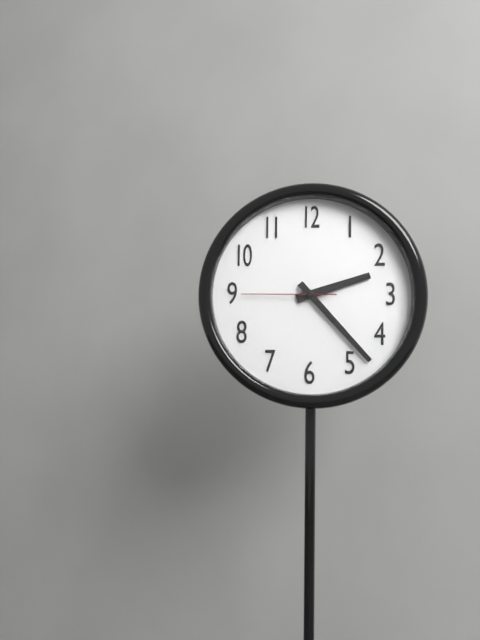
{"hour": 2, "minute": 23, "second": 45}
